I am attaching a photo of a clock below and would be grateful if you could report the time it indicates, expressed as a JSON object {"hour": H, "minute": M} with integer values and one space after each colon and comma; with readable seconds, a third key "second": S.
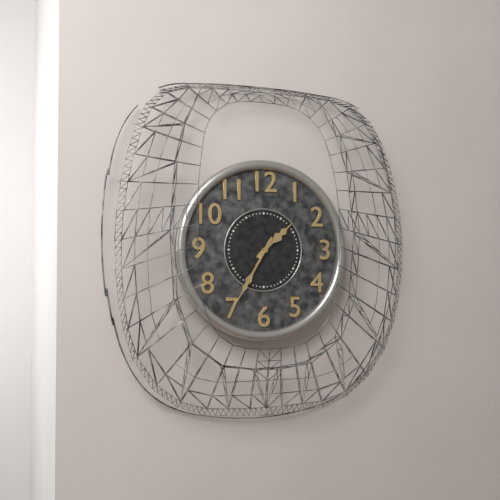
{"hour": 1, "minute": 35}
